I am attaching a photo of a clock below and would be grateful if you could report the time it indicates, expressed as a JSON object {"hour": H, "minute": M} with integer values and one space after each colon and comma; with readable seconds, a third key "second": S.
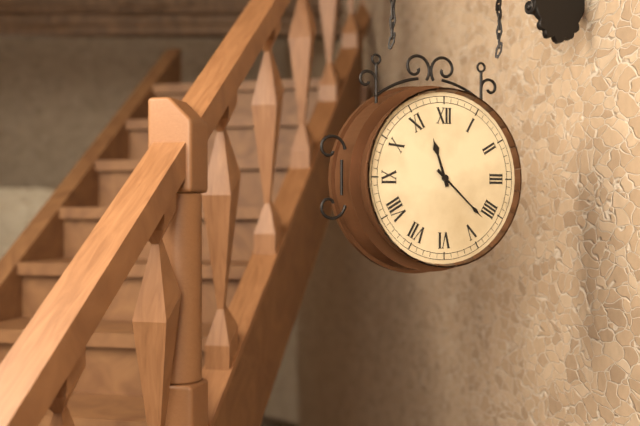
{"hour": 11, "minute": 22}
